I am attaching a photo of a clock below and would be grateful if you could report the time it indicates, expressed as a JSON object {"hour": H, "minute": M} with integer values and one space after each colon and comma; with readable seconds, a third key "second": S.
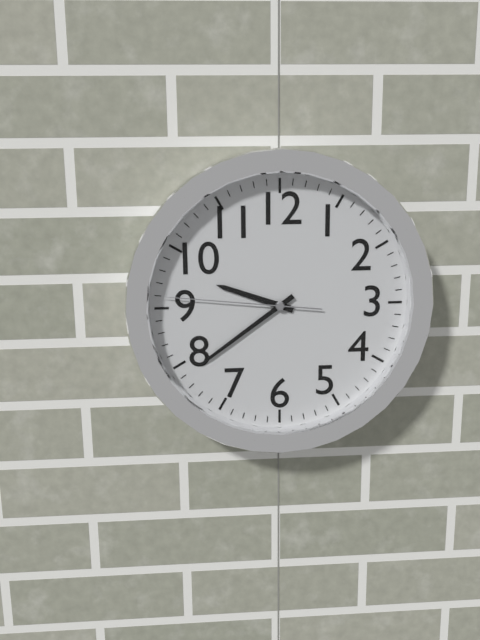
{"hour": 9, "minute": 39, "second": 46}
